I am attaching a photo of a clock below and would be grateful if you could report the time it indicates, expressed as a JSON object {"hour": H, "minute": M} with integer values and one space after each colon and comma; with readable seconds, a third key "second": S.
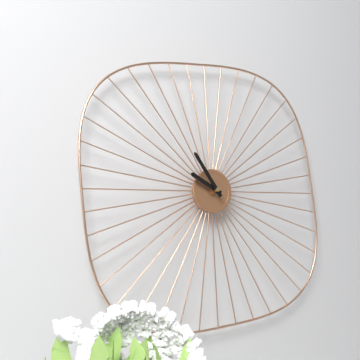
{"hour": 9, "minute": 54}
